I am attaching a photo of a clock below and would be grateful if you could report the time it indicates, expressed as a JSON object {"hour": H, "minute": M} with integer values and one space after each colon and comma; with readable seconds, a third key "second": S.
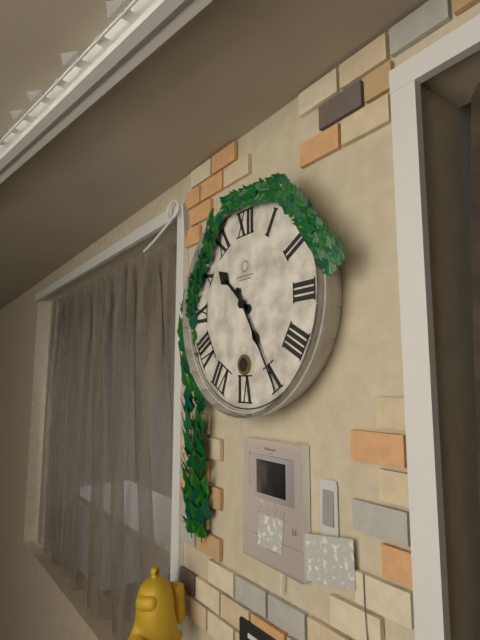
{"hour": 10, "minute": 25}
